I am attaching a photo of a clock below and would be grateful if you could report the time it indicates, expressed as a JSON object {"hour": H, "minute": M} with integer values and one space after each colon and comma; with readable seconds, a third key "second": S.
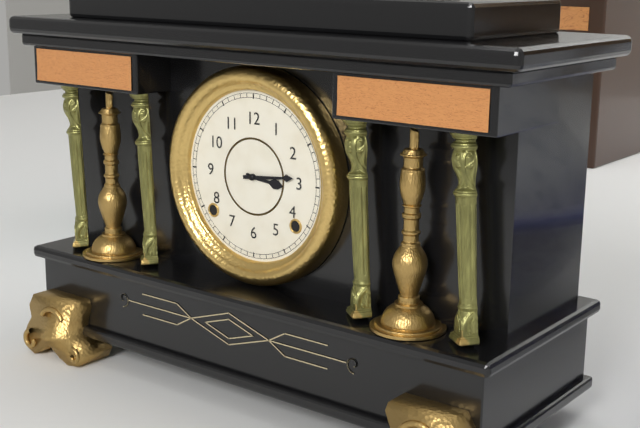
{"hour": 3, "minute": 14}
